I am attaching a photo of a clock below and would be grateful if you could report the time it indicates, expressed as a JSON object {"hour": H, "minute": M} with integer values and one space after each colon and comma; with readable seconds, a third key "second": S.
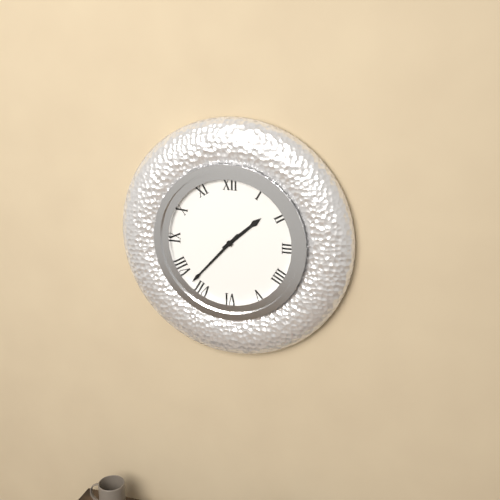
{"hour": 1, "minute": 37}
